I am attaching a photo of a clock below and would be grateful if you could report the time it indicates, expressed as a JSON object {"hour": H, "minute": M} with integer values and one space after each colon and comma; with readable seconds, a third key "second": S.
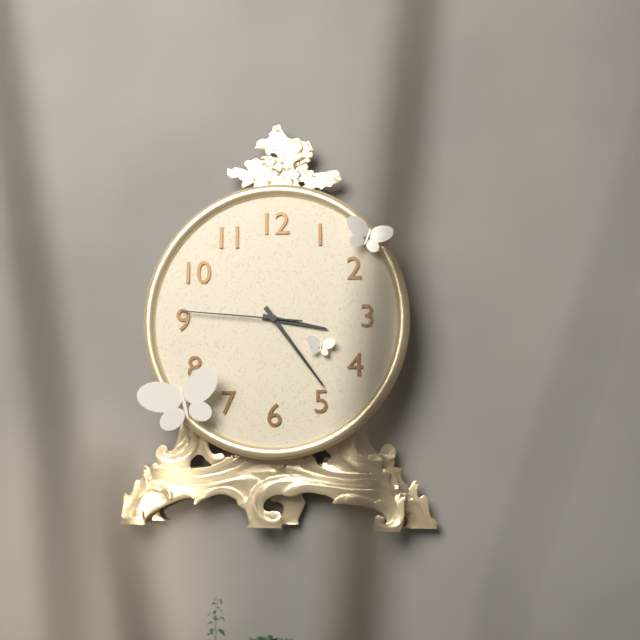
{"hour": 3, "minute": 24, "second": 46}
